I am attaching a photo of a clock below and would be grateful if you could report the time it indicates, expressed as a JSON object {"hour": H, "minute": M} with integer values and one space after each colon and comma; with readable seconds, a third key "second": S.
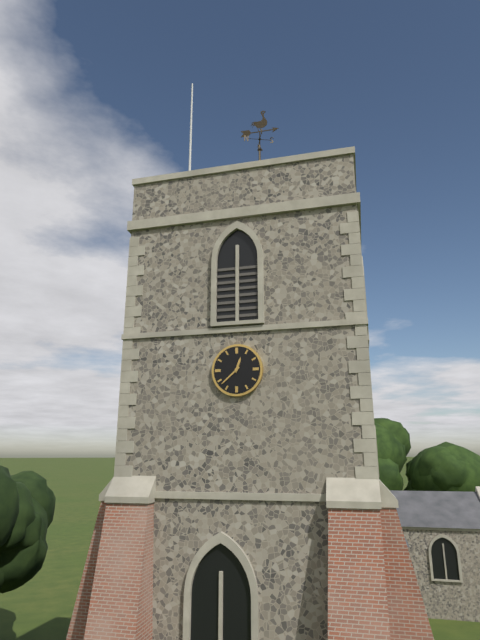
{"hour": 12, "minute": 38}
